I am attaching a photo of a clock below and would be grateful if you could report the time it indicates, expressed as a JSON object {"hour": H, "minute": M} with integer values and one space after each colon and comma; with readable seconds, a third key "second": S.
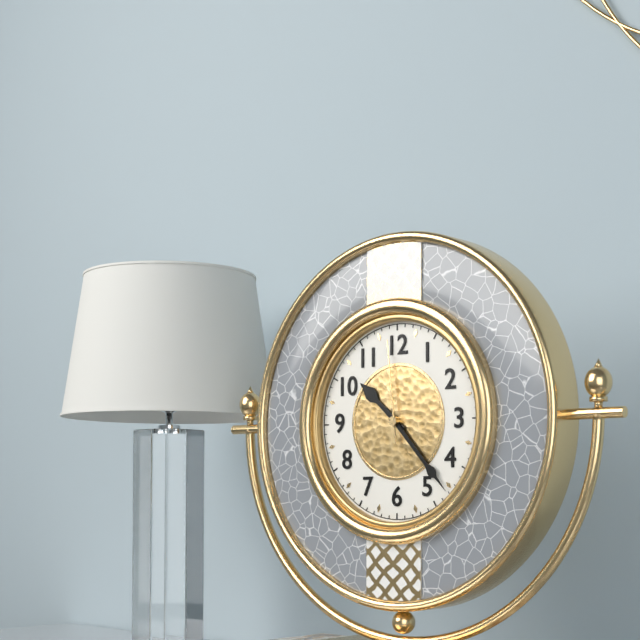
{"hour": 10, "minute": 23, "second": 59}
